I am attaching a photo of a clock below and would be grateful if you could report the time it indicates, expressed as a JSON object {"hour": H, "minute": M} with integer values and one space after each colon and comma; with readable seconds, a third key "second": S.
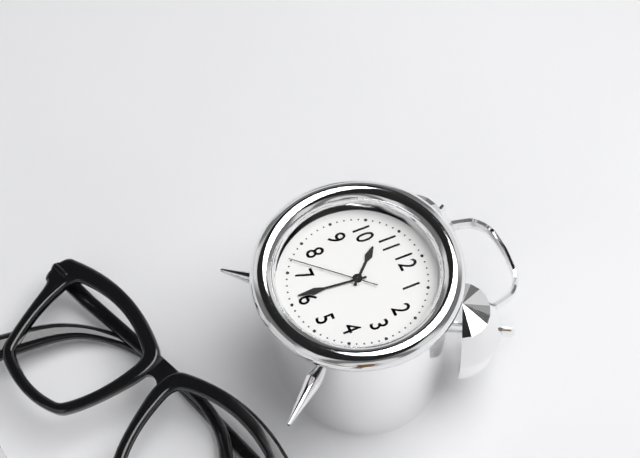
{"hour": 10, "minute": 31, "second": 37}
